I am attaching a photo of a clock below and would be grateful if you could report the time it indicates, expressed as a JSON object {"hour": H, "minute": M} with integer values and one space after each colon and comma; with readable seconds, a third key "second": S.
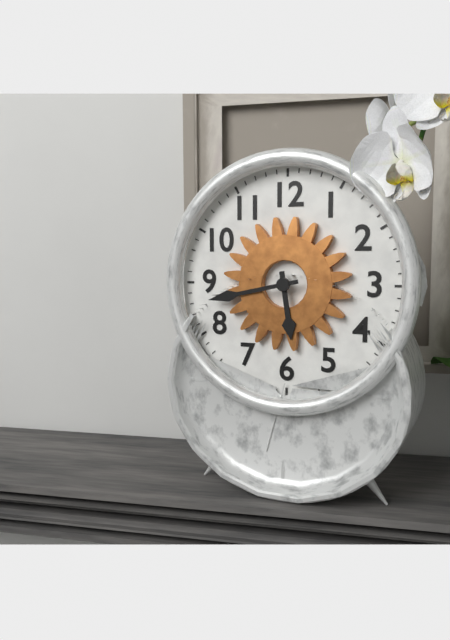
{"hour": 5, "minute": 43}
